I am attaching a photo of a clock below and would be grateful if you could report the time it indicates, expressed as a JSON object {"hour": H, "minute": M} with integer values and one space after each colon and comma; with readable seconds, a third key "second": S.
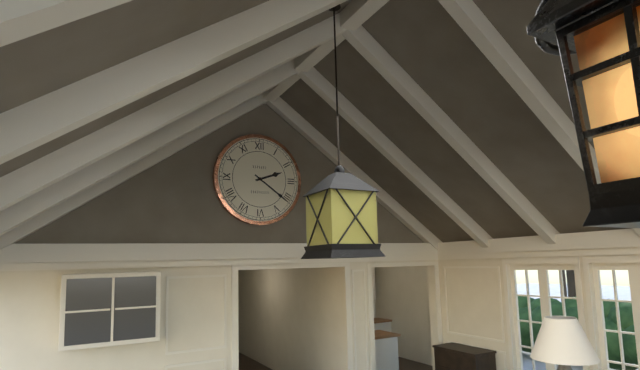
{"hour": 2, "minute": 21}
